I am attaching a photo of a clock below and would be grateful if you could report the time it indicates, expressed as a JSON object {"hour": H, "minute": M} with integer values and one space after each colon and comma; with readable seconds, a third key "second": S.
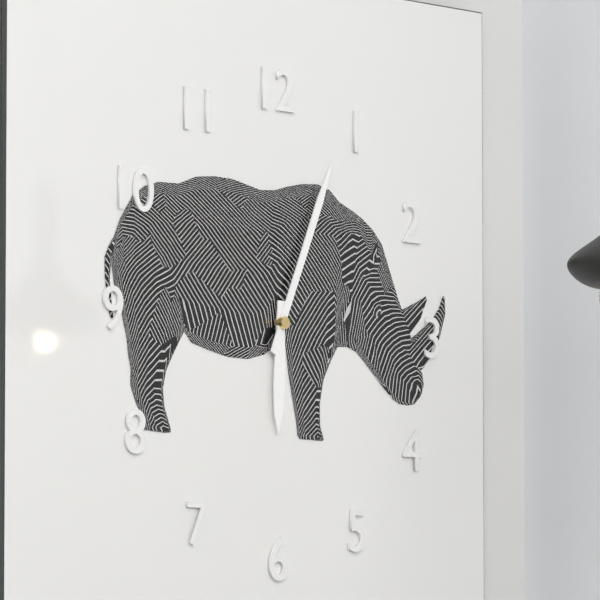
{"hour": 6, "minute": 4}
